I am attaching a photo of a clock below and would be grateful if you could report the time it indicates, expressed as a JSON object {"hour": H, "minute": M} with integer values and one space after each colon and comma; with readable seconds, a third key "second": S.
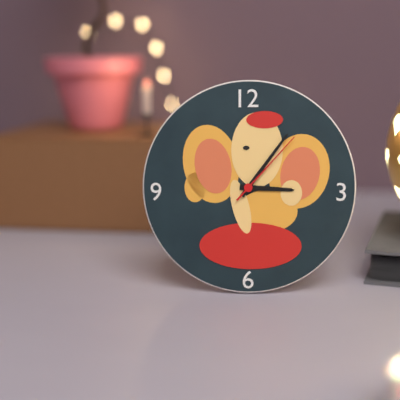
{"hour": 3, "minute": 6, "second": 7}
